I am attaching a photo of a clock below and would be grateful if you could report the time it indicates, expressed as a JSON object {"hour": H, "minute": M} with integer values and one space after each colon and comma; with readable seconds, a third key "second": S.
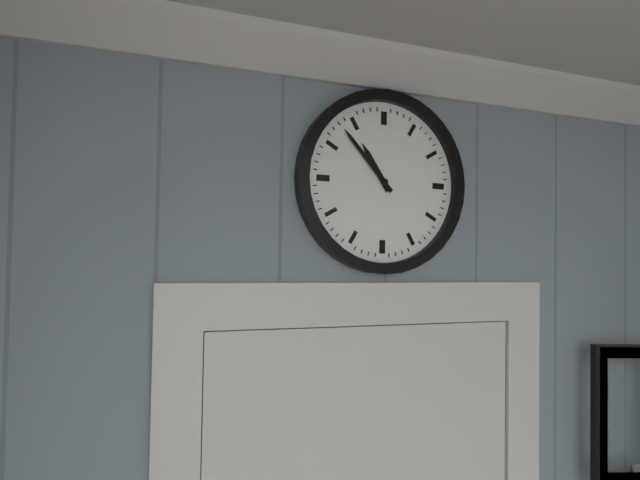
{"hour": 10, "minute": 53}
